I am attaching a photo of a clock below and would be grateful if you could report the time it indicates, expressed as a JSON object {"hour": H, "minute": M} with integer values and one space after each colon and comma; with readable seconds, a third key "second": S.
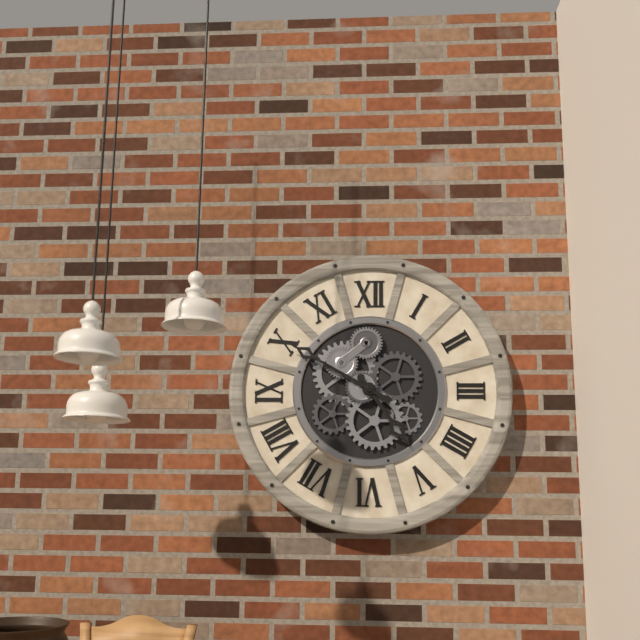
{"hour": 4, "minute": 50}
